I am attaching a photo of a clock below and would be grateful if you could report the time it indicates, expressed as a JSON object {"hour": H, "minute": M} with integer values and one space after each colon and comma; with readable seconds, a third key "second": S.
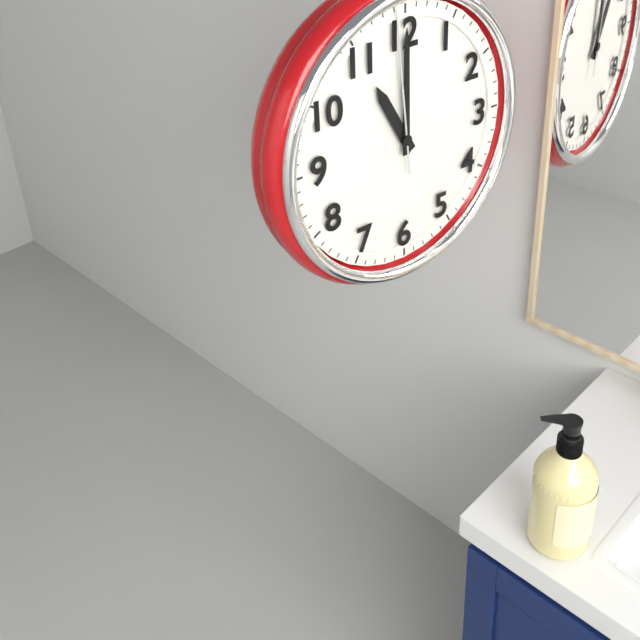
{"hour": 11, "minute": 0, "second": 59}
